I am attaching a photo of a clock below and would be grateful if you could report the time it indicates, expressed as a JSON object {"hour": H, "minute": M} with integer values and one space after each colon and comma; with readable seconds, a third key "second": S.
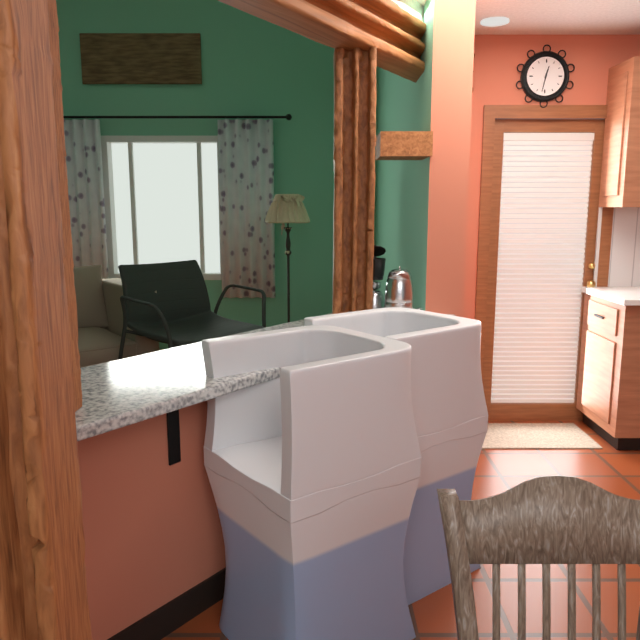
{"hour": 12, "minute": 32}
